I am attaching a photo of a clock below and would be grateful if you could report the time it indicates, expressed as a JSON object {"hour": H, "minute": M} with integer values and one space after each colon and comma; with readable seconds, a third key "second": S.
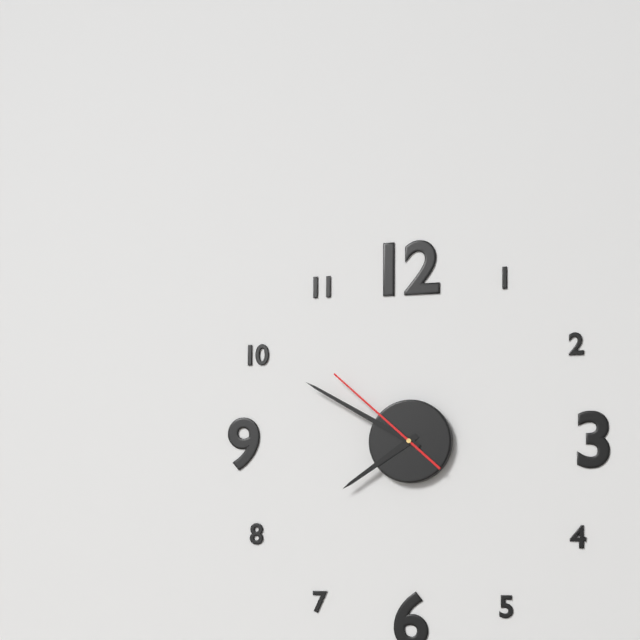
{"hour": 7, "minute": 50, "second": 52}
